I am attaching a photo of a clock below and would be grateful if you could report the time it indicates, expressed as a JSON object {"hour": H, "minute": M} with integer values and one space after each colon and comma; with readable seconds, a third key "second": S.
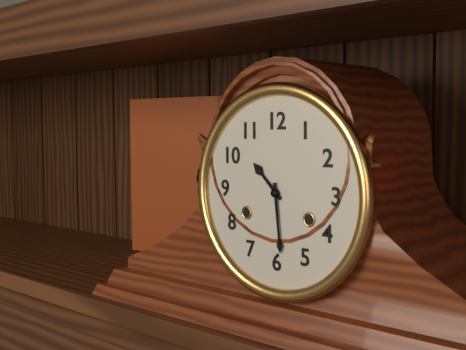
{"hour": 10, "minute": 29}
